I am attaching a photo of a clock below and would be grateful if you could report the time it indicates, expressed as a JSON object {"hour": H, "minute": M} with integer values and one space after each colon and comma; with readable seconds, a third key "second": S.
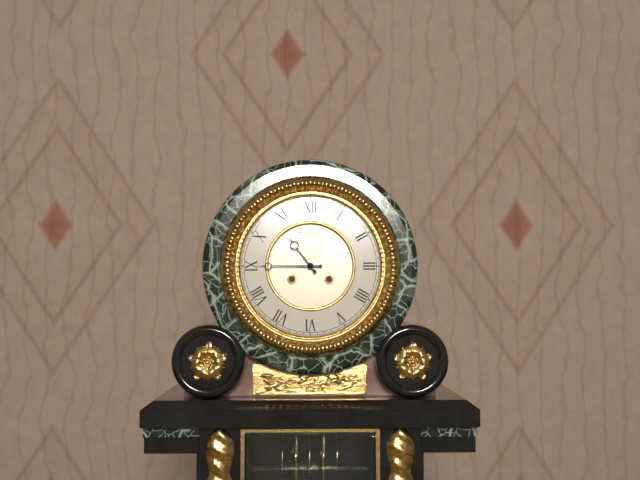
{"hour": 10, "minute": 45}
